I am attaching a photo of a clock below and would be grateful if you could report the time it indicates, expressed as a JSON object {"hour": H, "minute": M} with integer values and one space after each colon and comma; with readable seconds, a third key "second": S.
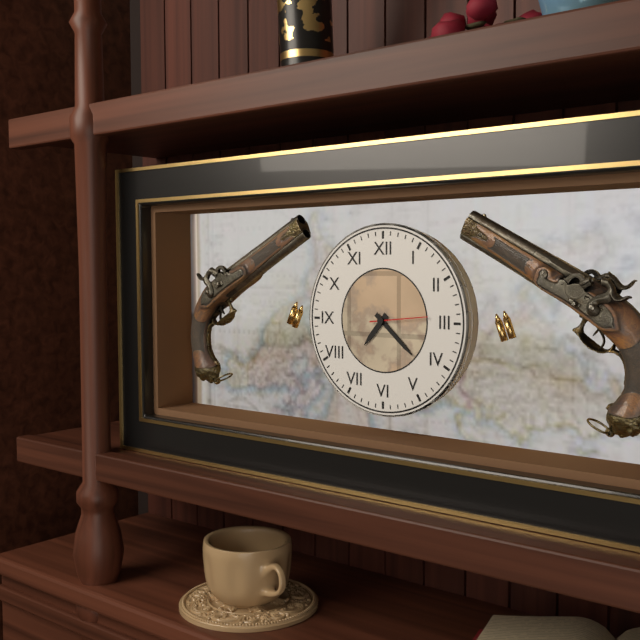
{"hour": 7, "minute": 22, "second": 14}
